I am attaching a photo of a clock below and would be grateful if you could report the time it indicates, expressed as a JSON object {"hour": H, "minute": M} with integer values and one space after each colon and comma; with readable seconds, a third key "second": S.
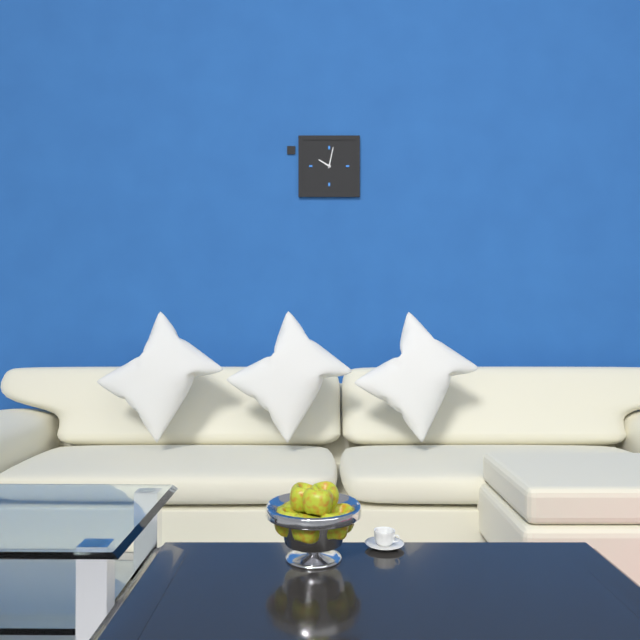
{"hour": 10, "minute": 2}
